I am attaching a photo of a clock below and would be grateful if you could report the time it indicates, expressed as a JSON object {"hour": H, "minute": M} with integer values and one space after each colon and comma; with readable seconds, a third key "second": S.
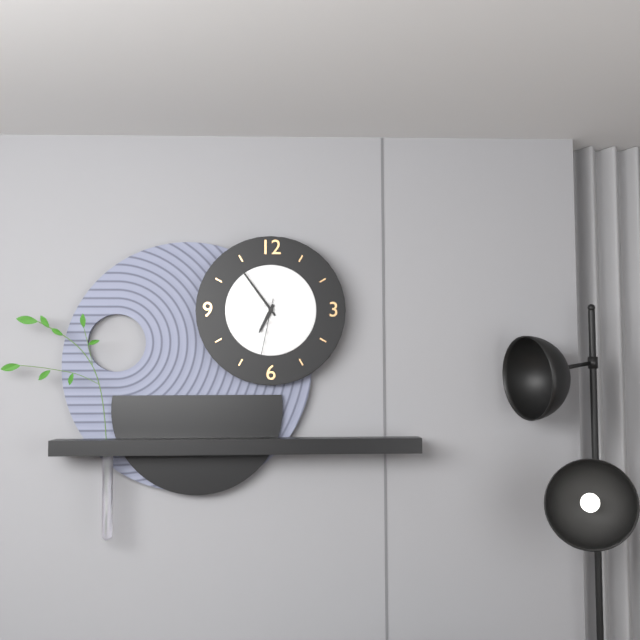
{"hour": 6, "minute": 54, "second": 32}
